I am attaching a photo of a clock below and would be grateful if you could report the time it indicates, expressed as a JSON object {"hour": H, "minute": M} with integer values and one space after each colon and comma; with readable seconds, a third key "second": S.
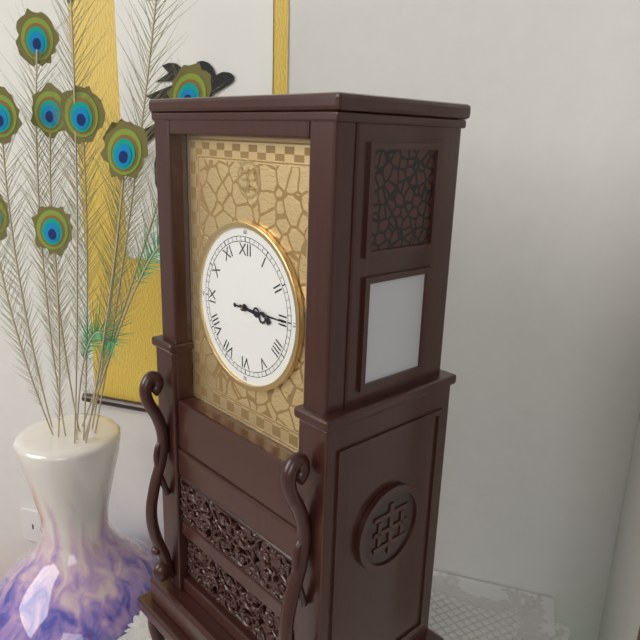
{"hour": 3, "minute": 15}
